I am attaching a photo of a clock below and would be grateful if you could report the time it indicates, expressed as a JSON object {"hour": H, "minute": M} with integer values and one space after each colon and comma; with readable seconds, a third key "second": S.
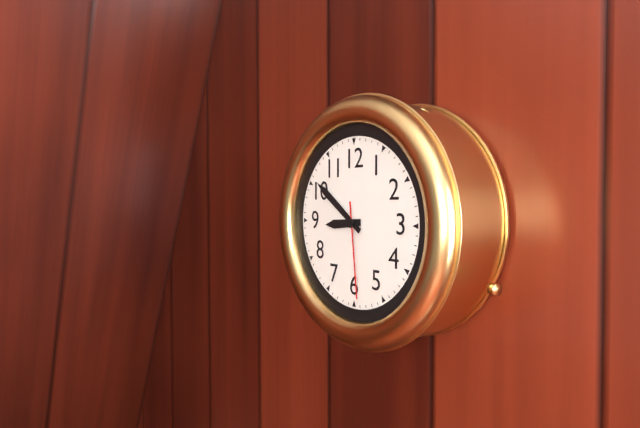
{"hour": 8, "minute": 51, "second": 29}
